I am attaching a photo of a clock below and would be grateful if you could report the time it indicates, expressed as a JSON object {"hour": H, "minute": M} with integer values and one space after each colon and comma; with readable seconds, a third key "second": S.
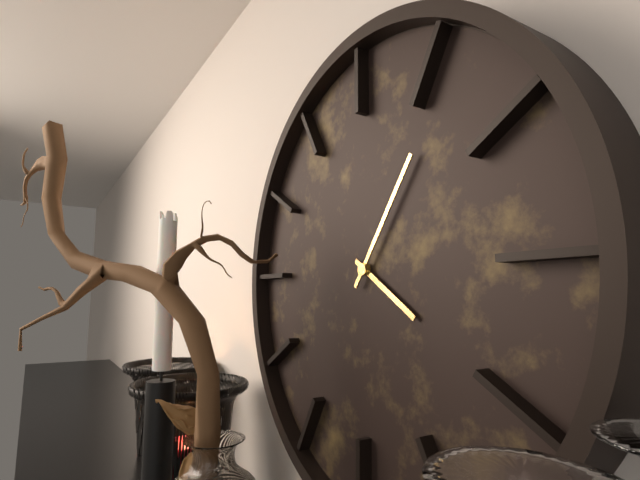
{"hour": 4, "minute": 6}
